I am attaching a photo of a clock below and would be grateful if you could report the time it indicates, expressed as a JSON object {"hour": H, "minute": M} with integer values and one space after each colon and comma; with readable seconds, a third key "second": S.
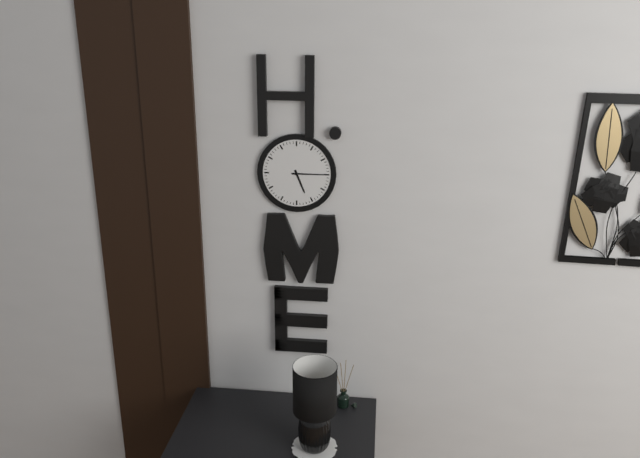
{"hour": 5, "minute": 15}
